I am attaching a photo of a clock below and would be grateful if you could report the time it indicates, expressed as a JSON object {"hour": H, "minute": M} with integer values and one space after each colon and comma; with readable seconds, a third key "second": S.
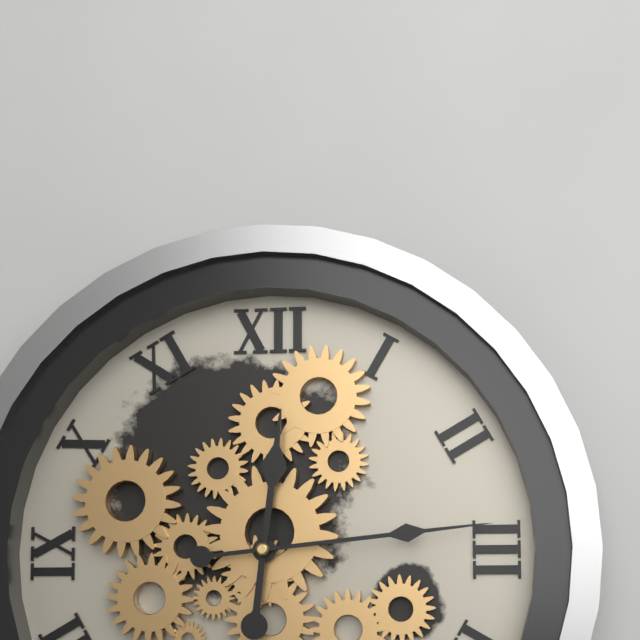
{"hour": 12, "minute": 14}
